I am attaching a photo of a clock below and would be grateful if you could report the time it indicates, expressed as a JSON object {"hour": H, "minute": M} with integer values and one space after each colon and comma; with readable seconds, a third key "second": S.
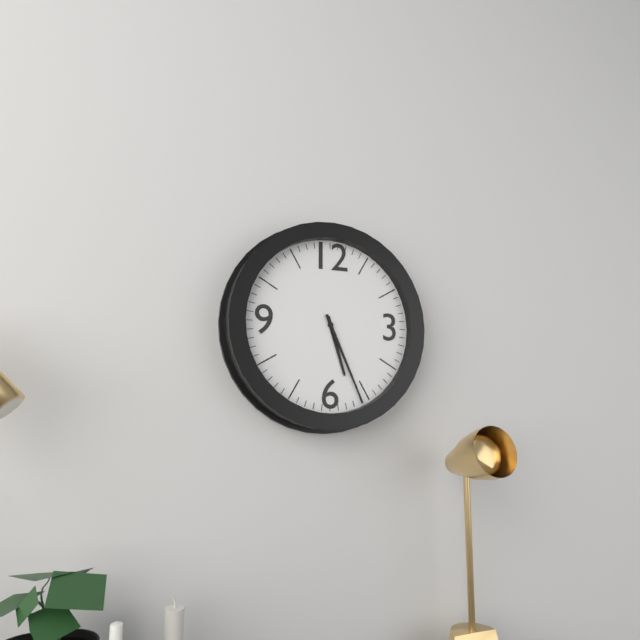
{"hour": 5, "minute": 26}
